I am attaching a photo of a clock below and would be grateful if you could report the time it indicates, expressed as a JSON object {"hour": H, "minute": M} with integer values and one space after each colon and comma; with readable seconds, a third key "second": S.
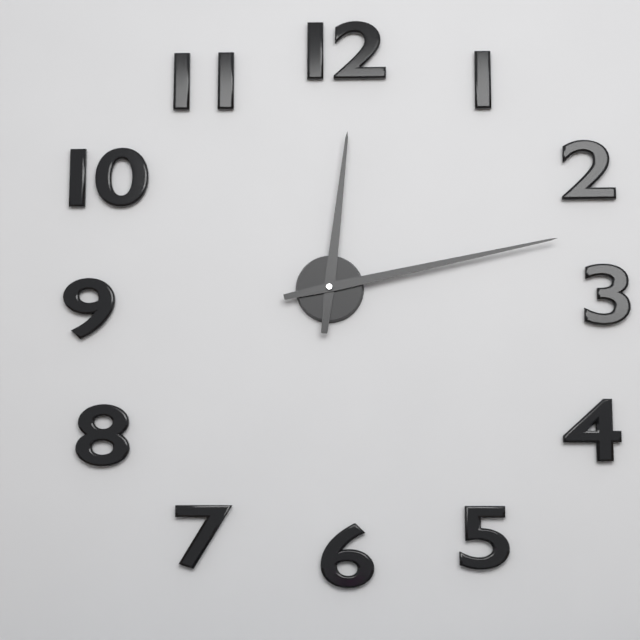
{"hour": 12, "minute": 13}
